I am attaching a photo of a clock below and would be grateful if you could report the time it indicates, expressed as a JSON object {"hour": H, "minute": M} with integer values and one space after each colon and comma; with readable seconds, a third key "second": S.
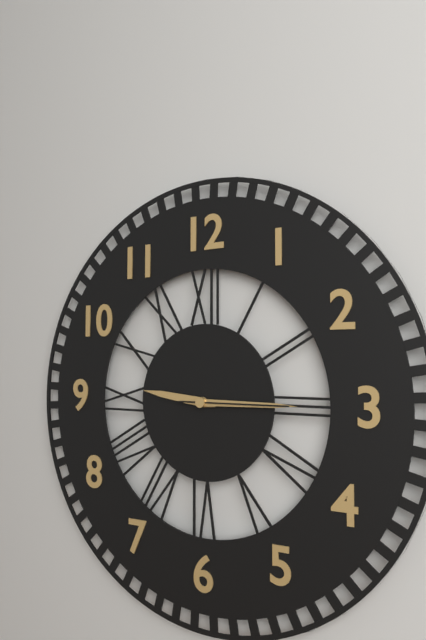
{"hour": 9, "minute": 15, "second": 15}
